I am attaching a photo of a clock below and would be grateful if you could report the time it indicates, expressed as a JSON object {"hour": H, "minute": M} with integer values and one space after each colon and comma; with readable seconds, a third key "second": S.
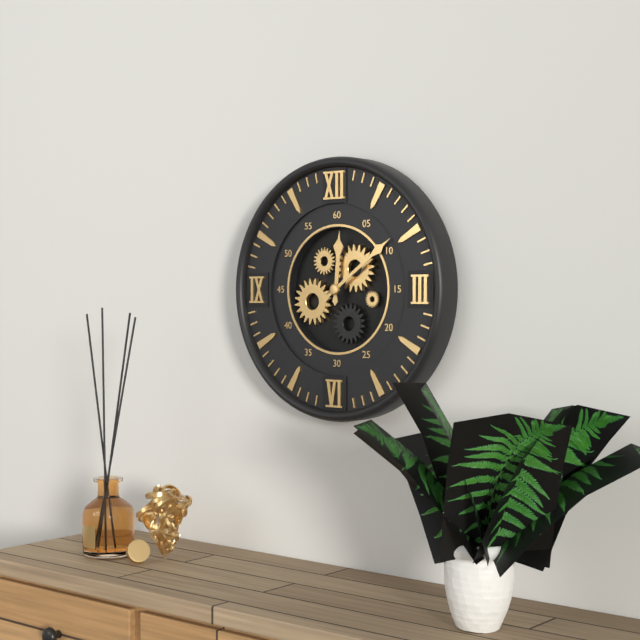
{"hour": 12, "minute": 9}
